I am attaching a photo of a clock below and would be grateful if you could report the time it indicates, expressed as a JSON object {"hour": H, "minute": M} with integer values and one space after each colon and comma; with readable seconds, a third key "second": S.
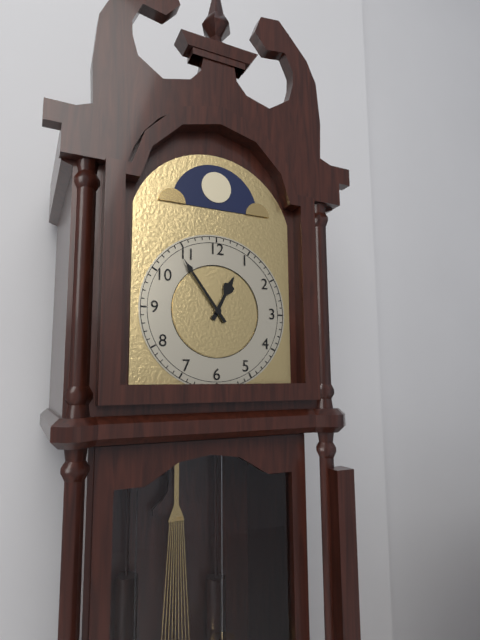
{"hour": 12, "minute": 54}
